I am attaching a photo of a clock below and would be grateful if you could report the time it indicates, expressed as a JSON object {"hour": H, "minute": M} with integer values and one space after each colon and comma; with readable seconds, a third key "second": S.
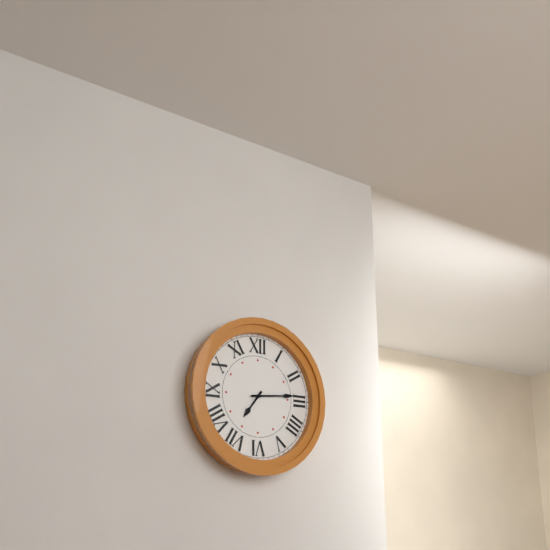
{"hour": 7, "minute": 14}
